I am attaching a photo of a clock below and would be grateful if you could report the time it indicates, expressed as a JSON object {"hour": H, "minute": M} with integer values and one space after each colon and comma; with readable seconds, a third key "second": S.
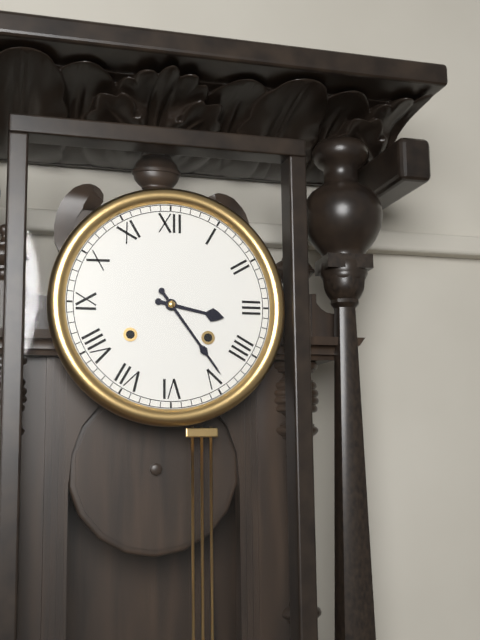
{"hour": 3, "minute": 24}
